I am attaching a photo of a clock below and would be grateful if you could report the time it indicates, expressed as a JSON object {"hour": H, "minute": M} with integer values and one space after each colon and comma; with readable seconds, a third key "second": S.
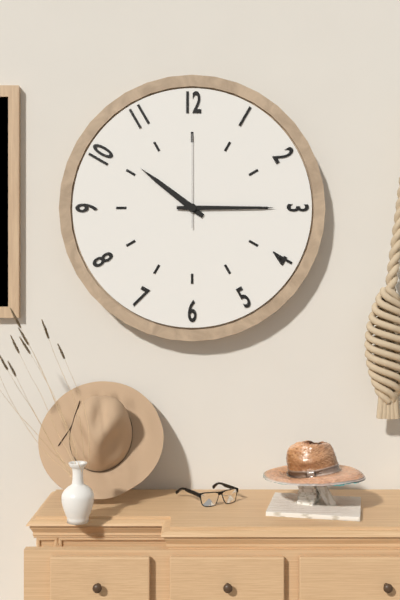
{"hour": 10, "minute": 15, "second": 0}
